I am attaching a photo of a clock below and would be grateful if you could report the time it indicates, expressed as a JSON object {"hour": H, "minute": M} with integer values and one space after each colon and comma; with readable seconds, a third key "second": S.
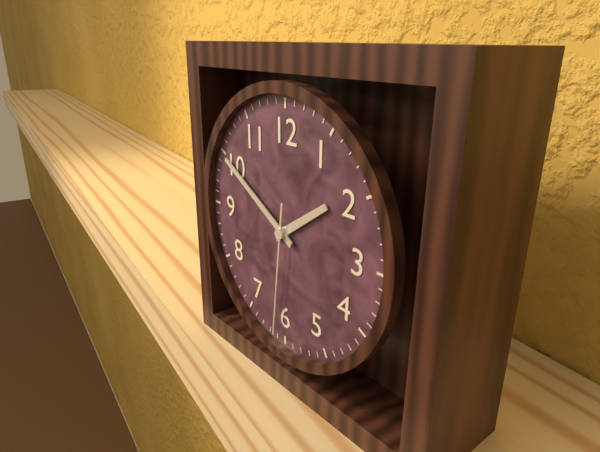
{"hour": 1, "minute": 50, "second": 31}
